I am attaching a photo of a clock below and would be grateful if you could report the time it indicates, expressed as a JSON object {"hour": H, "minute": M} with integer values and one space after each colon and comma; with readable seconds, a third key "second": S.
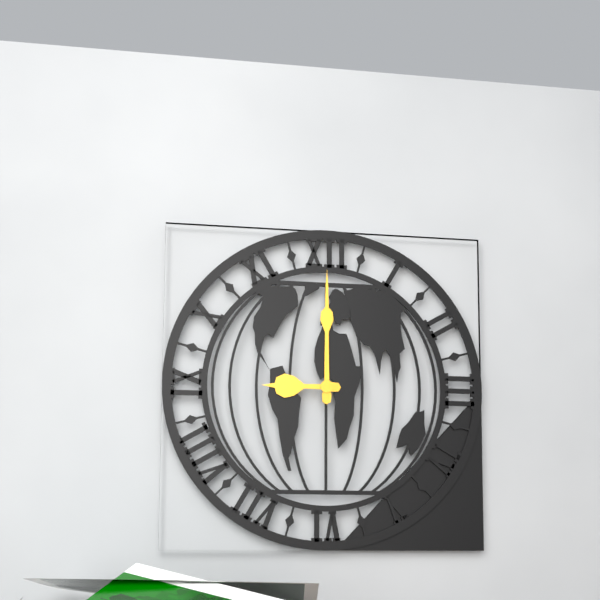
{"hour": 9, "minute": 0}
